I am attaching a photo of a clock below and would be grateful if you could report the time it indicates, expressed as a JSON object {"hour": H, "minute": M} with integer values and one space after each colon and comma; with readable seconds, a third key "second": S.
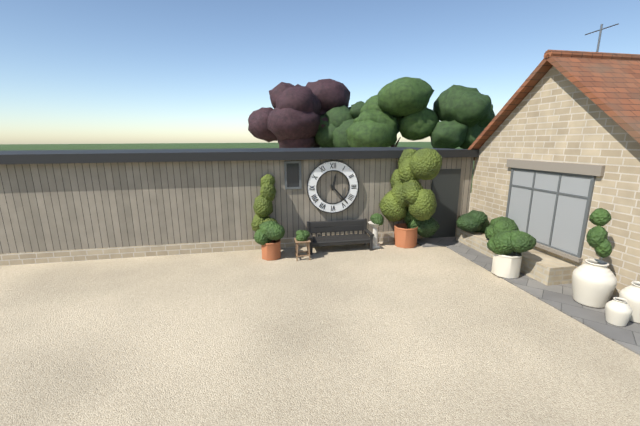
{"hour": 12, "minute": 23}
